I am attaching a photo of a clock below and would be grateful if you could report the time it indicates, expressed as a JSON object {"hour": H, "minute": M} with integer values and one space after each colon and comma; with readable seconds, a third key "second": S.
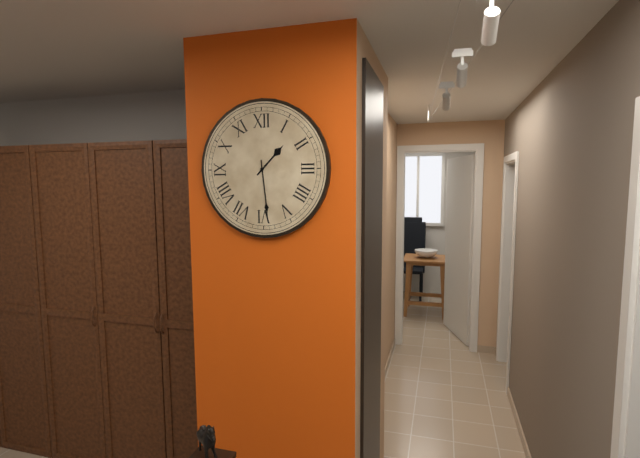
{"hour": 1, "minute": 29}
